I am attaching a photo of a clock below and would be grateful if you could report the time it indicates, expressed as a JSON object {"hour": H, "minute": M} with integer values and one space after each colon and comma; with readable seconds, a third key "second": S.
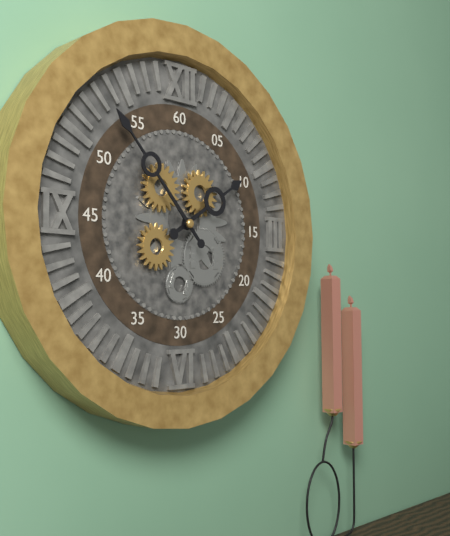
{"hour": 1, "minute": 53}
